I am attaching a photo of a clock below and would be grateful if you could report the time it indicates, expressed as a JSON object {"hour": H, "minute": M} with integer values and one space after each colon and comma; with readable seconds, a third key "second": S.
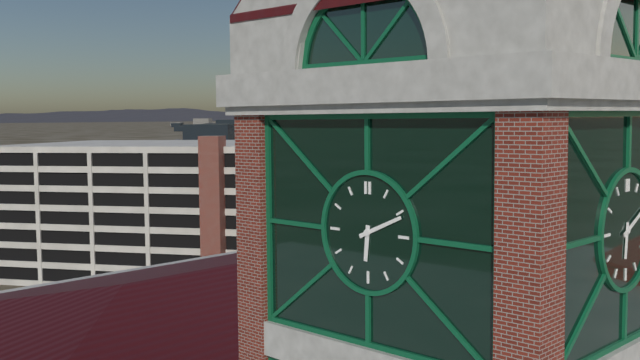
{"hour": 6, "minute": 11}
